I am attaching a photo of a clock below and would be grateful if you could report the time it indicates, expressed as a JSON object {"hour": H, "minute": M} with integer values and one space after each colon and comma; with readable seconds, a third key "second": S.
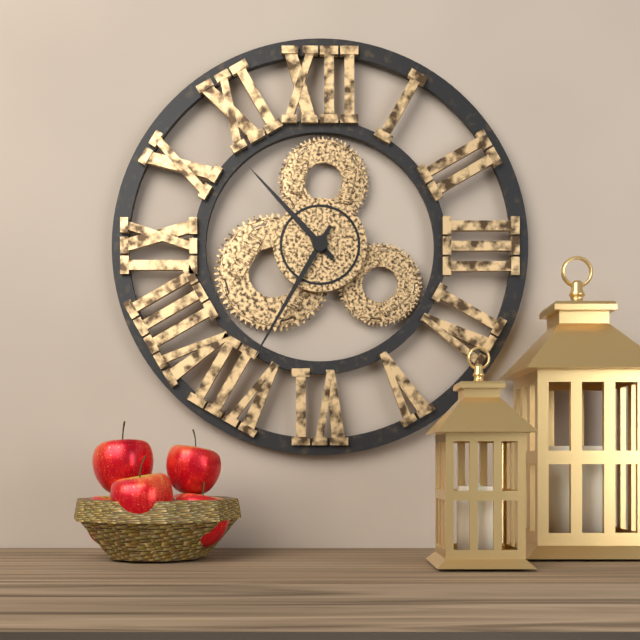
{"hour": 10, "minute": 35}
